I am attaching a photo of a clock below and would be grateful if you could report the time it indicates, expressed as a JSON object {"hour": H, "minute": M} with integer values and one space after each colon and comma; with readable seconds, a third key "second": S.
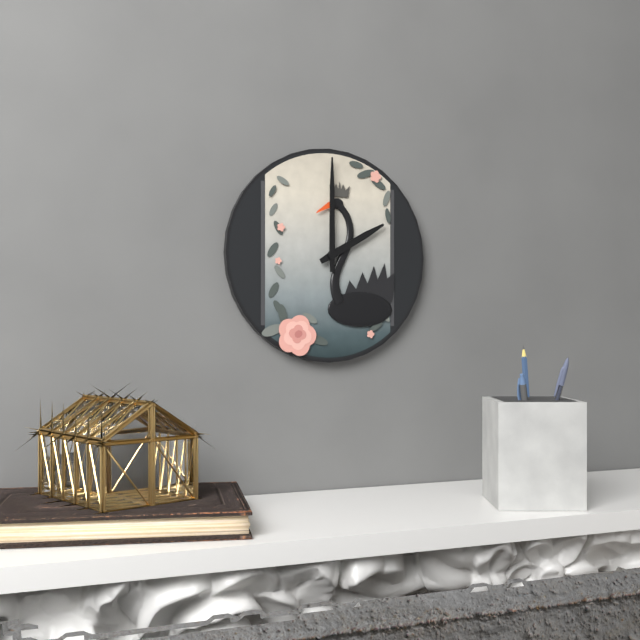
{"hour": 2, "minute": 0}
